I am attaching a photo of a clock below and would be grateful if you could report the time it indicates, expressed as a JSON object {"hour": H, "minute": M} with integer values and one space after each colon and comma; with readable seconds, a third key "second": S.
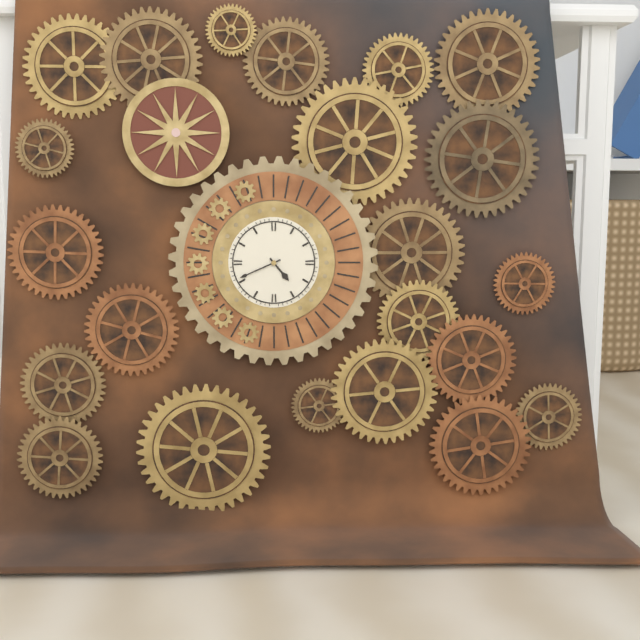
{"hour": 4, "minute": 41}
